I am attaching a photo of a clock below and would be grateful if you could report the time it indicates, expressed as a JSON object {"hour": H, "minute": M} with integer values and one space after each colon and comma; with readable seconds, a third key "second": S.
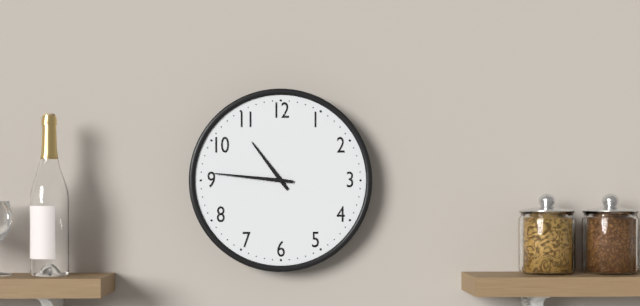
{"hour": 10, "minute": 46}
